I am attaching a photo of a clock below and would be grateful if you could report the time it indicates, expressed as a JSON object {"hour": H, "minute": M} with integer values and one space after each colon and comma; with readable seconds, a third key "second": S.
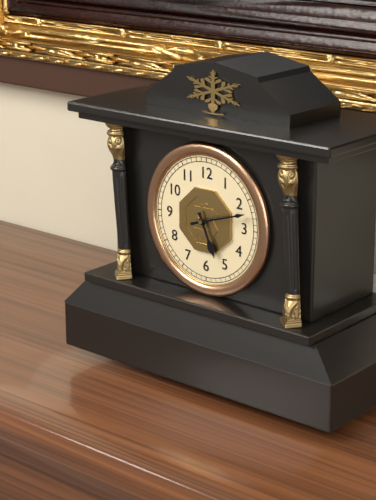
{"hour": 5, "minute": 12}
